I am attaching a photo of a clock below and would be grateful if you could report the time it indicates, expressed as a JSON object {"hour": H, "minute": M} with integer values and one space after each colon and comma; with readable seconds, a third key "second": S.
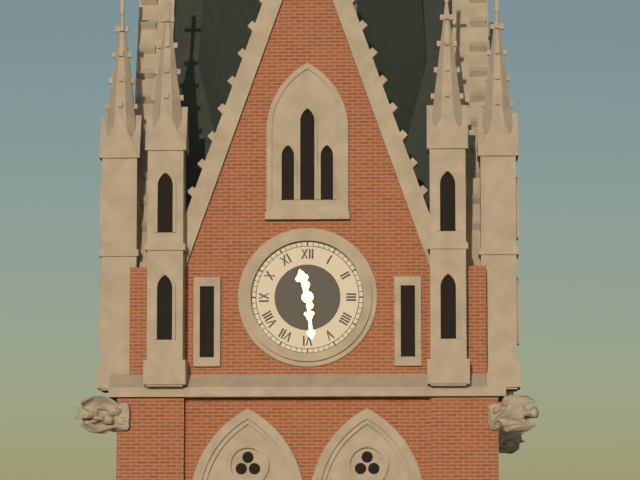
{"hour": 11, "minute": 29}
